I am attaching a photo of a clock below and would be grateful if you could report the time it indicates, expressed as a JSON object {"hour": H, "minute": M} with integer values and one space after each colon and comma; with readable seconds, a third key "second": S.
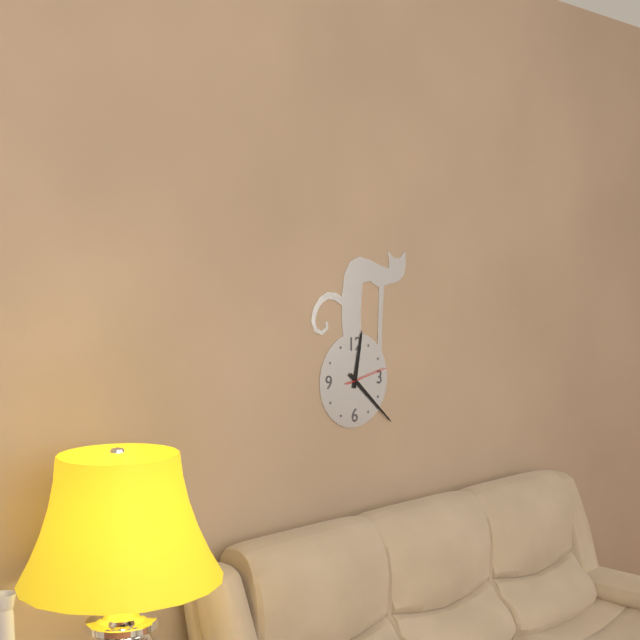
{"hour": 12, "minute": 22}
